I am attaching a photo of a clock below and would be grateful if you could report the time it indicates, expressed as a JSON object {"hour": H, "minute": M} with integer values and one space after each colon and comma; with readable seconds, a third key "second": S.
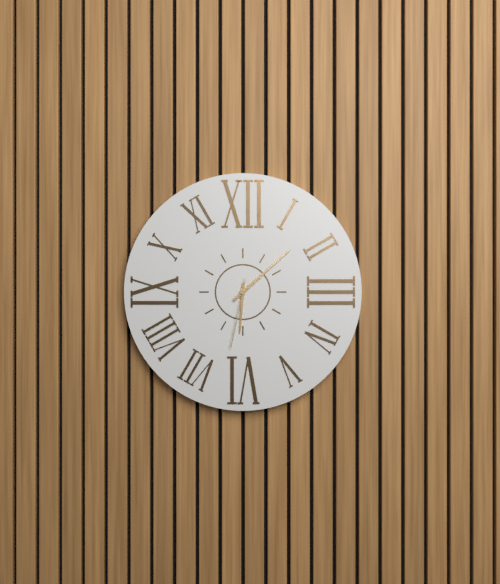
{"hour": 6, "minute": 8, "second": 32}
